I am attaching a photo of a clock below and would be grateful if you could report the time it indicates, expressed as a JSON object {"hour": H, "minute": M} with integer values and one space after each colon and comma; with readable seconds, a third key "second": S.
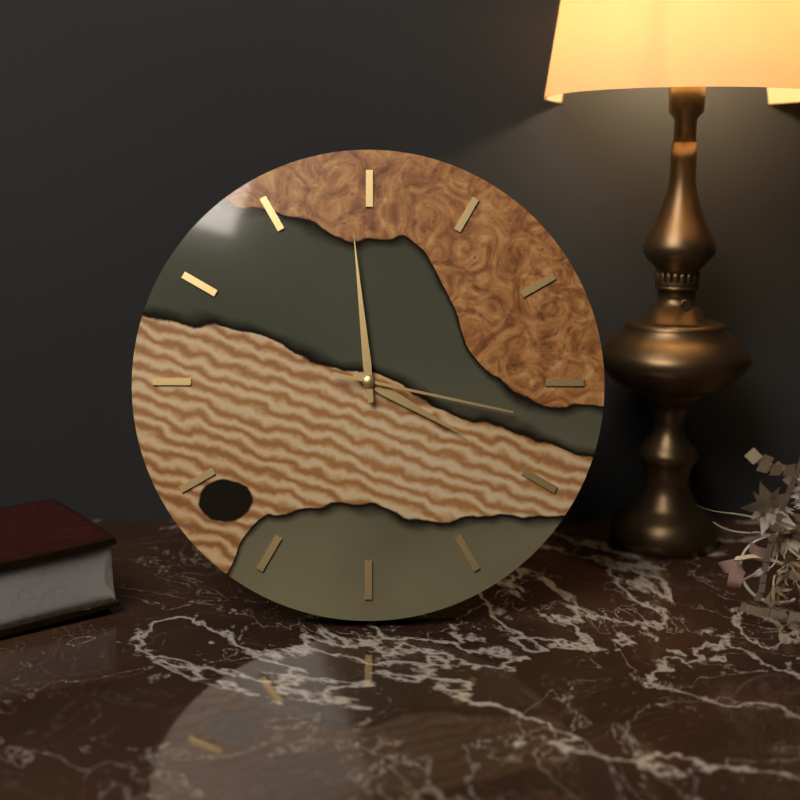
{"hour": 3, "minute": 59, "second": 17}
